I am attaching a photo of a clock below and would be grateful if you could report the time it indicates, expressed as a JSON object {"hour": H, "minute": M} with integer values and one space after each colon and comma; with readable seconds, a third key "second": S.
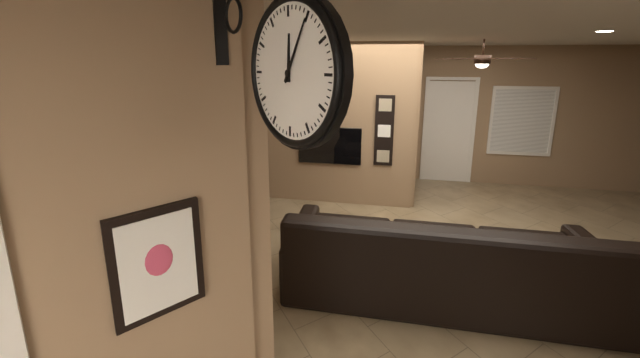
{"hour": 12, "minute": 5}
